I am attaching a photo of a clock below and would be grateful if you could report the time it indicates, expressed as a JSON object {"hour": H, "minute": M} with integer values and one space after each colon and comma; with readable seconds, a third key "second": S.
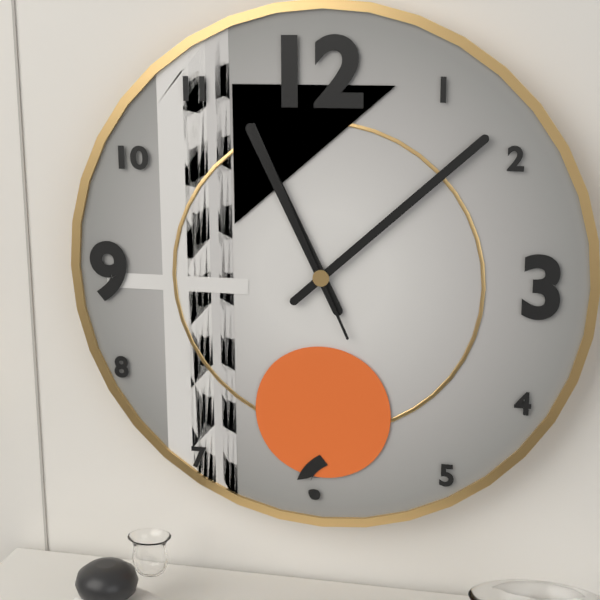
{"hour": 11, "minute": 8, "second": 56}
